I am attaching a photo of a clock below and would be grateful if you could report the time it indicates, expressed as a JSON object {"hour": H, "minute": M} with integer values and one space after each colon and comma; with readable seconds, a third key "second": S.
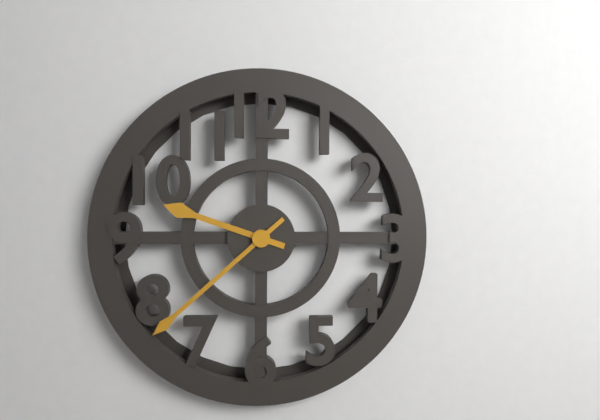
{"hour": 9, "minute": 38}
